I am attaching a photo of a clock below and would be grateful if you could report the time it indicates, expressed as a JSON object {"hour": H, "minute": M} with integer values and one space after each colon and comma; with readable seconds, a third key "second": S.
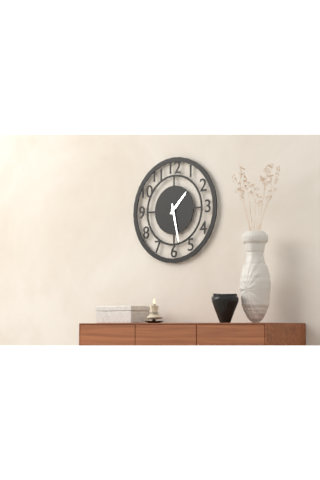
{"hour": 1, "minute": 28}
